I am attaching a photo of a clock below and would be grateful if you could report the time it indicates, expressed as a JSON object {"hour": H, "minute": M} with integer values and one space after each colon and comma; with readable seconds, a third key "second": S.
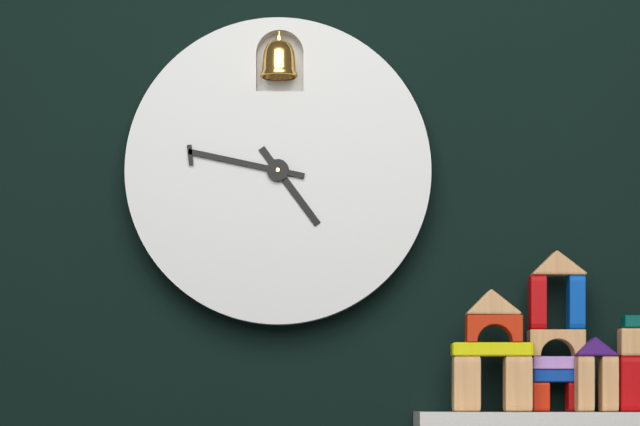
{"hour": 4, "minute": 47}
